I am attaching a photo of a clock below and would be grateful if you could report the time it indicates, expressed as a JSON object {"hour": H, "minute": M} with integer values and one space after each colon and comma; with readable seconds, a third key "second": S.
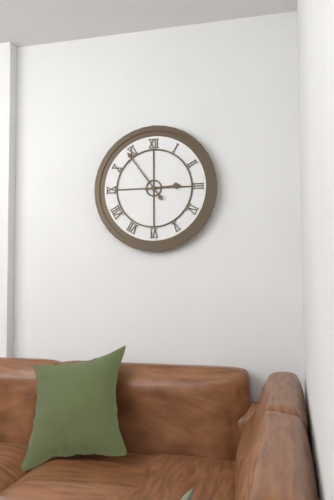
{"hour": 2, "minute": 54}
